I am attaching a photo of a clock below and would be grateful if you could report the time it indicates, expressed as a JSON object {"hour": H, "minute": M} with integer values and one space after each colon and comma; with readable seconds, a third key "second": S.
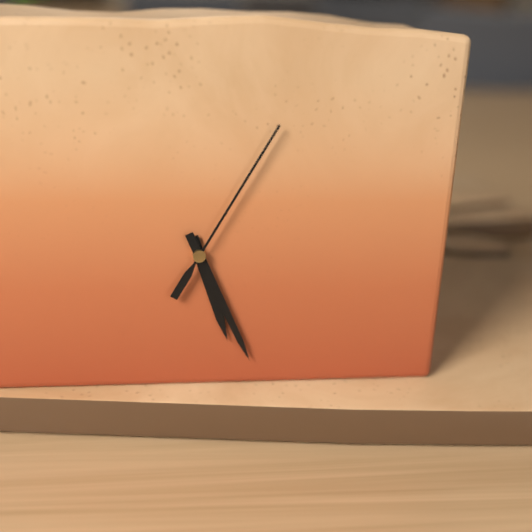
{"hour": 5, "minute": 26, "second": 5}
